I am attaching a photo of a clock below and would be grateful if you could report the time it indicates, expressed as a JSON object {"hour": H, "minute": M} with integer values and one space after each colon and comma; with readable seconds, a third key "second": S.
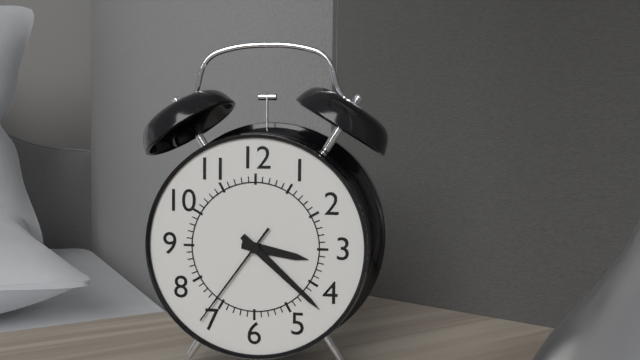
{"hour": 3, "minute": 22, "second": 36}
